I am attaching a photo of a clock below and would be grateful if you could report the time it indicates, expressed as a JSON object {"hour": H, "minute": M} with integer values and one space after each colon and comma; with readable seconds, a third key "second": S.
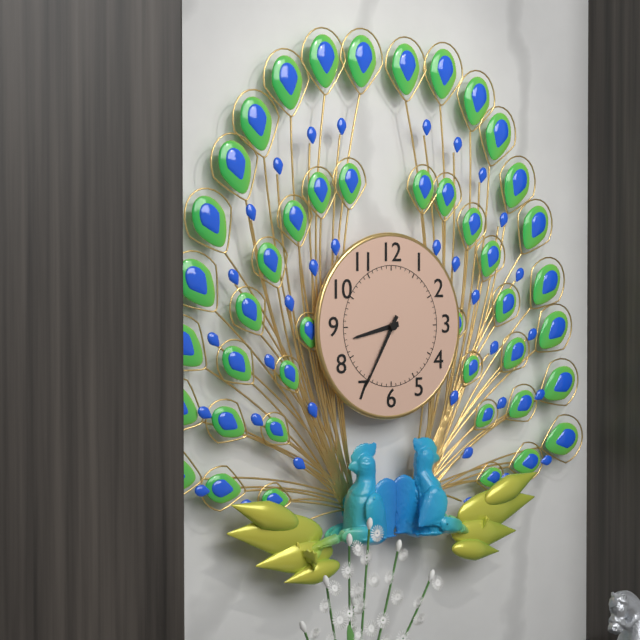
{"hour": 8, "minute": 35}
